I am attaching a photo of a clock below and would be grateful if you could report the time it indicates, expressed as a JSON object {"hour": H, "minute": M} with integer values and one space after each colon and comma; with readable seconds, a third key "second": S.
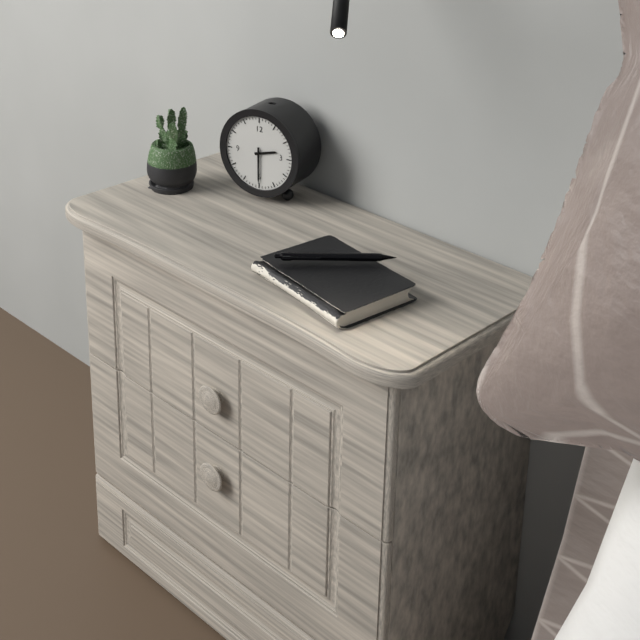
{"hour": 2, "minute": 30}
